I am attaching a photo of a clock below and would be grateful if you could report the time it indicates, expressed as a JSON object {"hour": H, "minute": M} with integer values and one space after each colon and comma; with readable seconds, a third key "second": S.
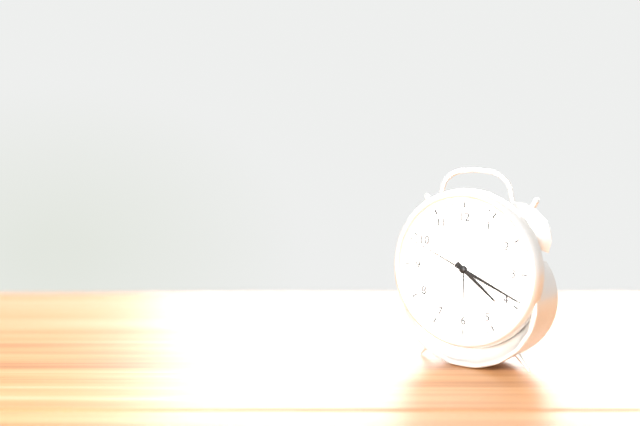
{"hour": 4, "minute": 19, "second": 49}
